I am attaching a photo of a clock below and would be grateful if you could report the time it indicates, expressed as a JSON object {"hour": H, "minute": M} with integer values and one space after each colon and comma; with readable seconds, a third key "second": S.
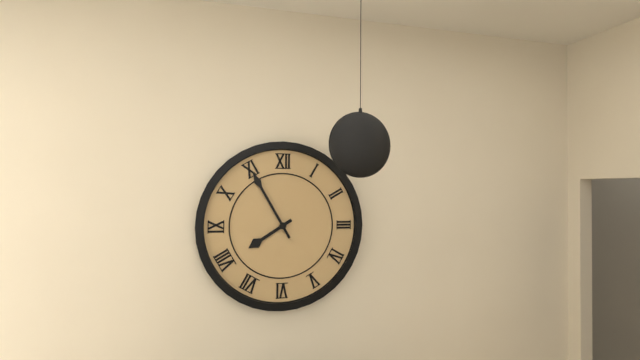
{"hour": 7, "minute": 55}
